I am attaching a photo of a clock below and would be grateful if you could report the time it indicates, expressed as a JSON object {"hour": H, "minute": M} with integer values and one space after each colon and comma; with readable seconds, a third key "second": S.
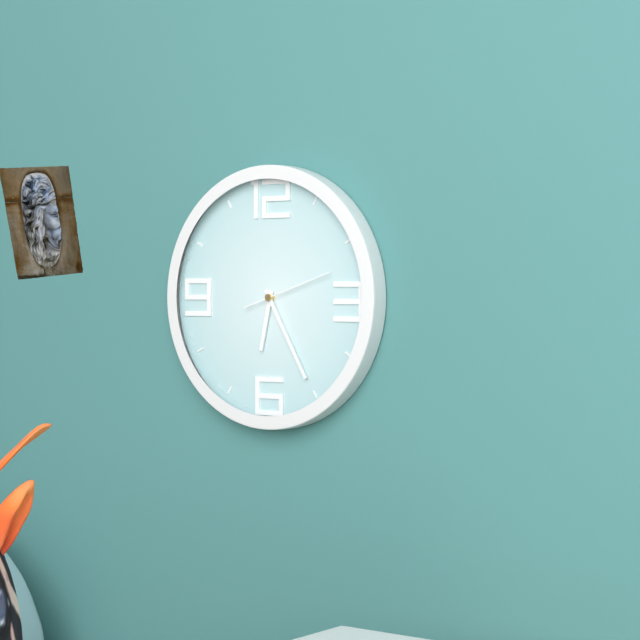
{"hour": 6, "minute": 25, "second": 12}
